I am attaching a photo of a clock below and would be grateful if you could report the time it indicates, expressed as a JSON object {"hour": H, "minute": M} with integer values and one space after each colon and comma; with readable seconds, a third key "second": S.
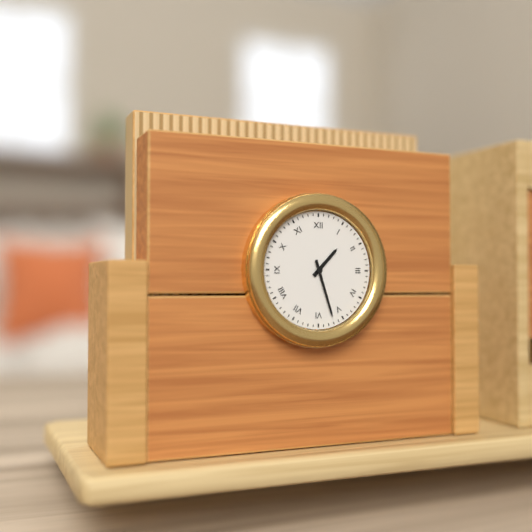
{"hour": 1, "minute": 27}
